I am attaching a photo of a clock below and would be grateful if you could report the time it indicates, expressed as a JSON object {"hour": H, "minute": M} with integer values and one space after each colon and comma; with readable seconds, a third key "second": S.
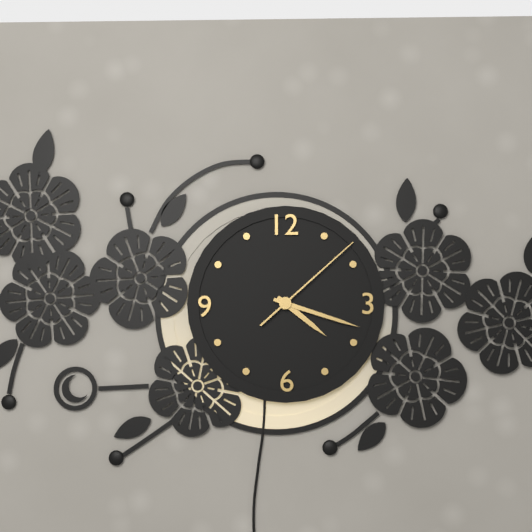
{"hour": 4, "minute": 18, "second": 8}
